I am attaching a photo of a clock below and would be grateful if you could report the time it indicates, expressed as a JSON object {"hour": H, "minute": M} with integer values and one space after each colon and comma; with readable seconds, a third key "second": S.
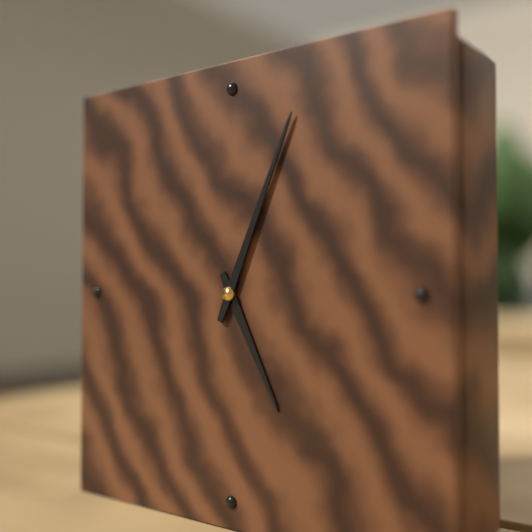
{"hour": 5, "minute": 4}
